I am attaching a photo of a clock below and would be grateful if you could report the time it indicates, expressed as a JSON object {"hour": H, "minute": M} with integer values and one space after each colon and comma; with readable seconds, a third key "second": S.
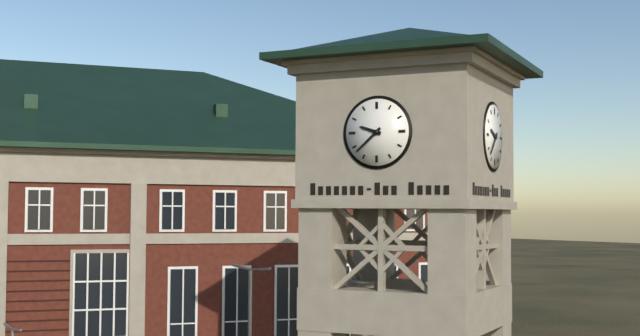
{"hour": 9, "minute": 38}
